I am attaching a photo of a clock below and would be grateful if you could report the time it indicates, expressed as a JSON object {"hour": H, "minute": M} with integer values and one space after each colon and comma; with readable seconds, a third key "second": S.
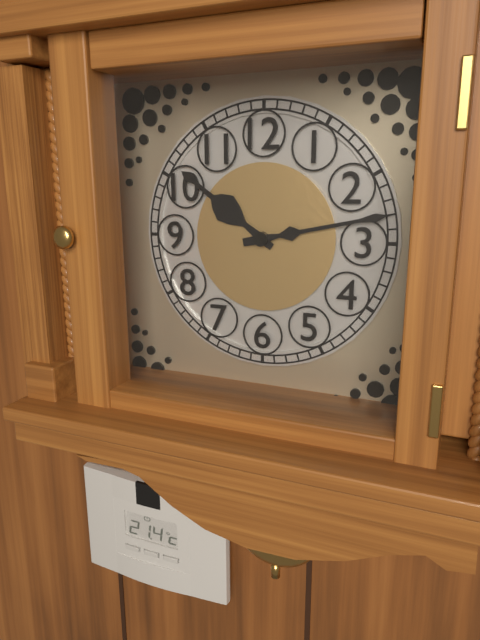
{"hour": 10, "minute": 13}
